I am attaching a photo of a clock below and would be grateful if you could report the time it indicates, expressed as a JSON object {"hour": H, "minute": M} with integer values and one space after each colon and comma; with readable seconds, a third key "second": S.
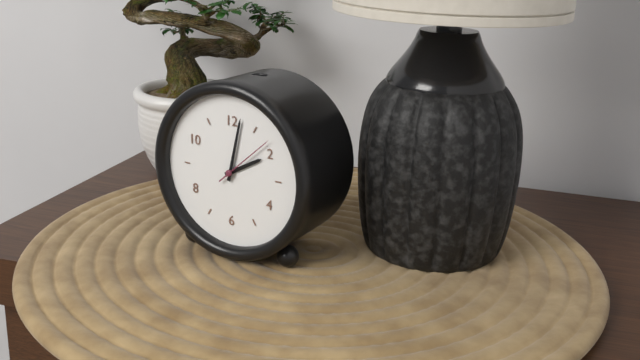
{"hour": 2, "minute": 2, "second": 8}
